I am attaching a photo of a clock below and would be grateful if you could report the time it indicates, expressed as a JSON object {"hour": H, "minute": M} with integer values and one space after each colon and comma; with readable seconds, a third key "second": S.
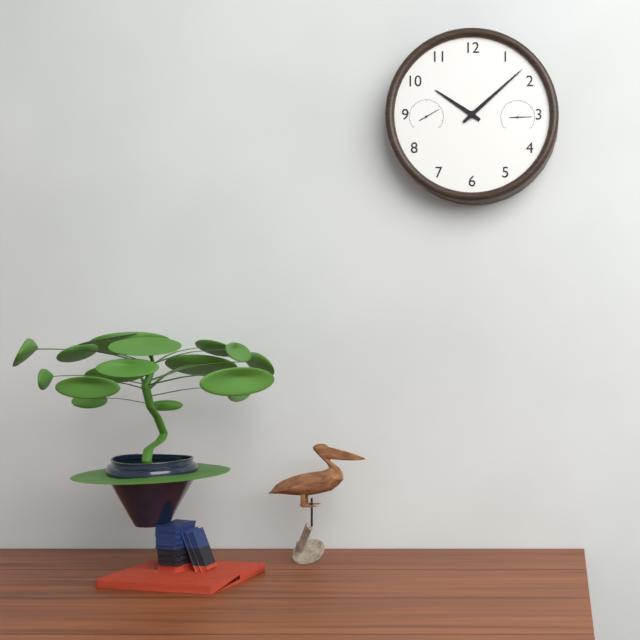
{"hour": 10, "minute": 8}
